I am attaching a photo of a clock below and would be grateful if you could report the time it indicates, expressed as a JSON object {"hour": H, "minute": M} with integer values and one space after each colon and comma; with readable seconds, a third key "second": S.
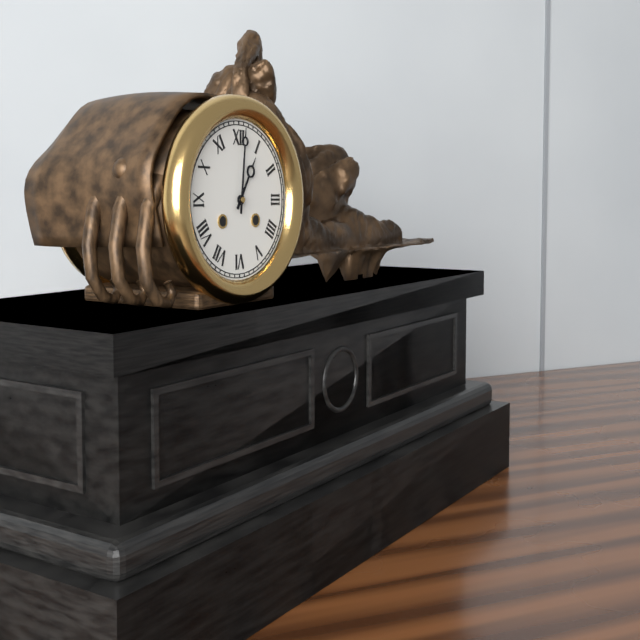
{"hour": 1, "minute": 1}
